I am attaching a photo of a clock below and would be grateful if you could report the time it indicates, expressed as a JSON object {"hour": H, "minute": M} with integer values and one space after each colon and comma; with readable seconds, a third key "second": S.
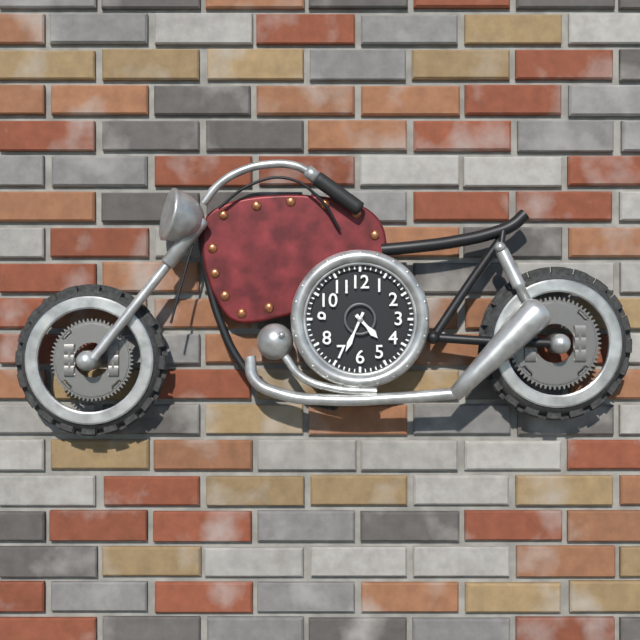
{"hour": 4, "minute": 34}
